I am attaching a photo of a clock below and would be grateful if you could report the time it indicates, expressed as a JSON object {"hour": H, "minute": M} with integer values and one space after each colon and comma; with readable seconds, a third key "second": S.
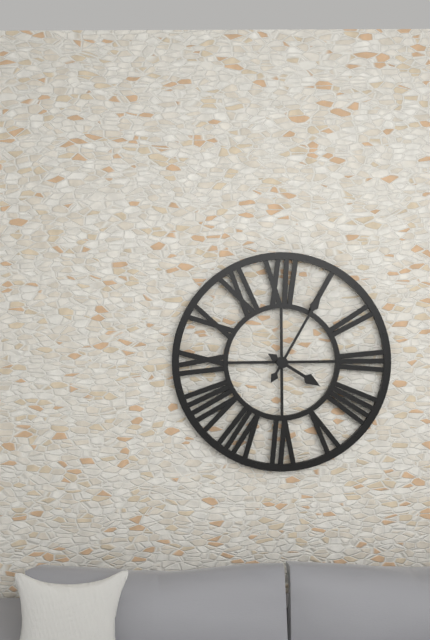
{"hour": 4, "minute": 5}
